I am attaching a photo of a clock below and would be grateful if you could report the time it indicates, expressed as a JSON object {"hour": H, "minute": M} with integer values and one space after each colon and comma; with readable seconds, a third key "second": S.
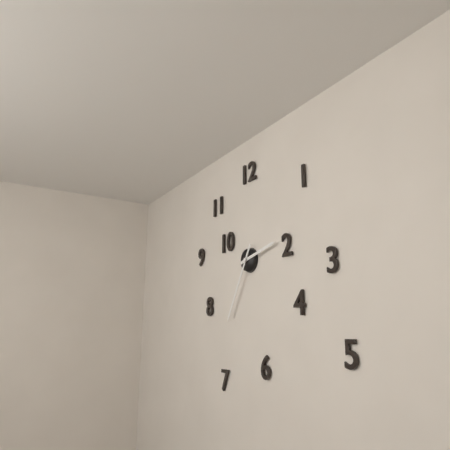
{"hour": 2, "minute": 35}
